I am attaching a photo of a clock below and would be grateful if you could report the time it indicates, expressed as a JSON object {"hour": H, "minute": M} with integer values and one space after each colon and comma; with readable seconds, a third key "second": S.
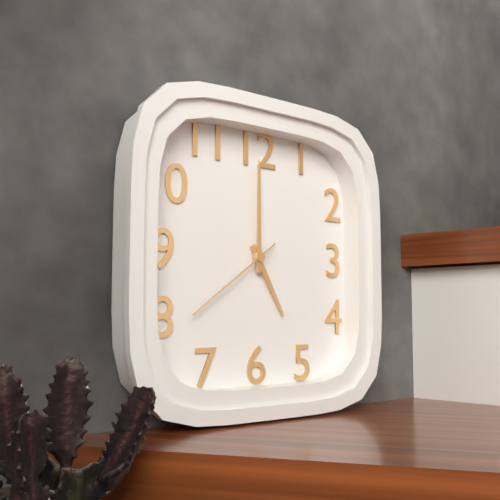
{"hour": 5, "minute": 0, "second": 39}
